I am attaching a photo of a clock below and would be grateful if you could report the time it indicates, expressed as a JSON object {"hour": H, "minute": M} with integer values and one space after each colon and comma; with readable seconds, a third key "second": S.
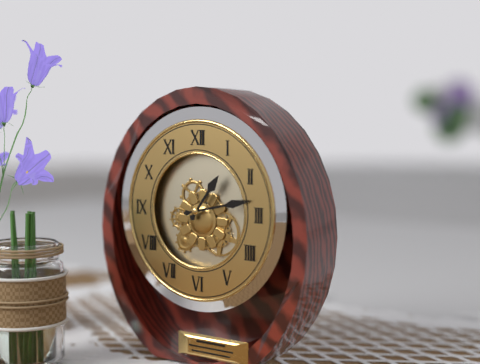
{"hour": 1, "minute": 13}
